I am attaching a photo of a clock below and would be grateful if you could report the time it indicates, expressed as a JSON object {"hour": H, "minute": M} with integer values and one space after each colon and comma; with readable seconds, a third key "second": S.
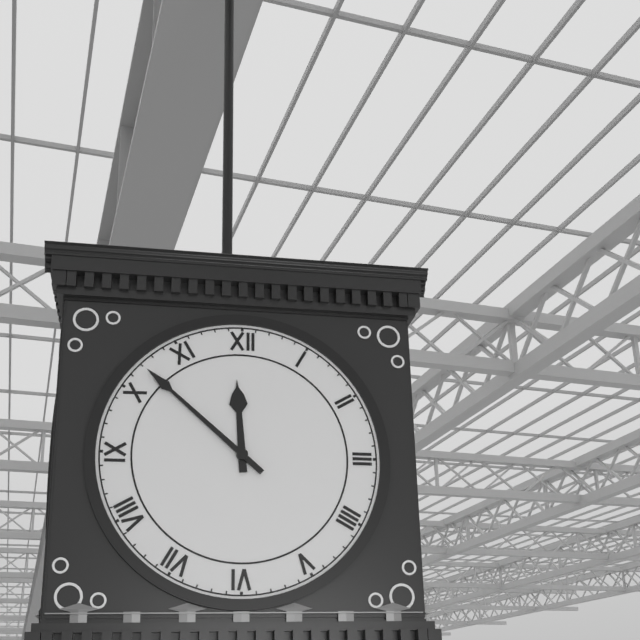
{"hour": 11, "minute": 52}
